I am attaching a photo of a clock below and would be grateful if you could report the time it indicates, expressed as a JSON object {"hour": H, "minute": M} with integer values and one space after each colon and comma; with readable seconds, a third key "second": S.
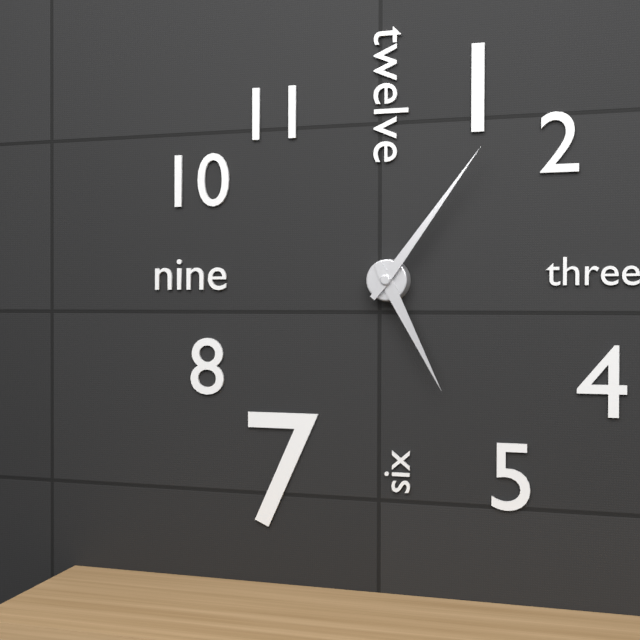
{"hour": 5, "minute": 6}
